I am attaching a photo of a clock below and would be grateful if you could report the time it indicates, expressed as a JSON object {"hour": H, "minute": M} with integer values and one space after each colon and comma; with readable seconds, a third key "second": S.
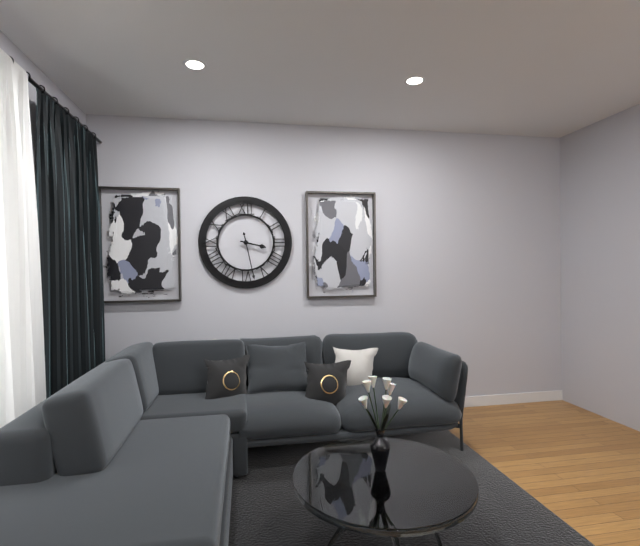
{"hour": 3, "minute": 28}
